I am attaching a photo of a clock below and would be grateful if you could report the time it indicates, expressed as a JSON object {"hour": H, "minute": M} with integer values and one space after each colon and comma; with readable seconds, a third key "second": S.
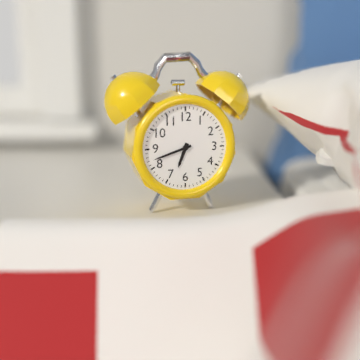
{"hour": 6, "minute": 42}
